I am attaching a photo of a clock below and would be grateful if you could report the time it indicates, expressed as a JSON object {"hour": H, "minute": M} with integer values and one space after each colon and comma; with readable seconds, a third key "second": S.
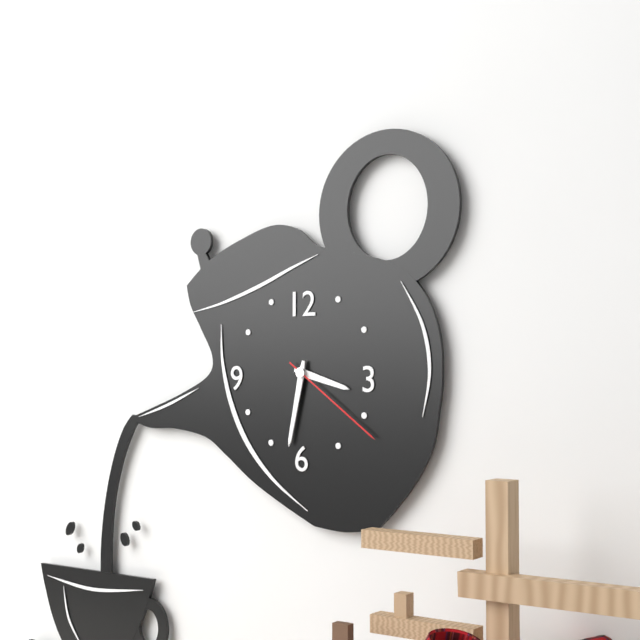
{"hour": 3, "minute": 32, "second": 21}
